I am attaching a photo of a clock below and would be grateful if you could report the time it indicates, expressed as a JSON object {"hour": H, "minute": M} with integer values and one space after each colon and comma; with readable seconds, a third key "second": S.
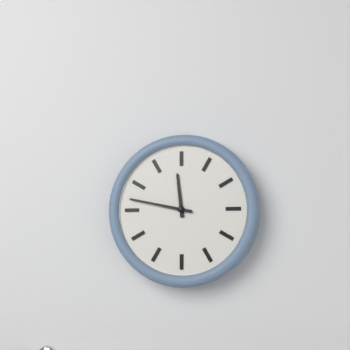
{"hour": 11, "minute": 47}
